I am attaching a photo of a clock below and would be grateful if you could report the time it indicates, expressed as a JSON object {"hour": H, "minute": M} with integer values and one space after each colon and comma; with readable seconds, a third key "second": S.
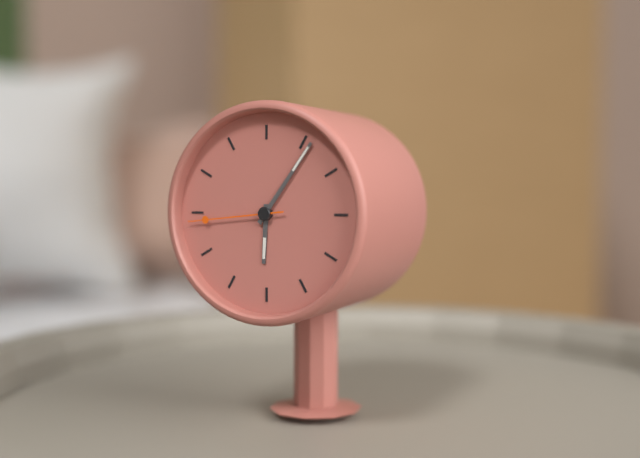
{"hour": 6, "minute": 6, "second": 44}
